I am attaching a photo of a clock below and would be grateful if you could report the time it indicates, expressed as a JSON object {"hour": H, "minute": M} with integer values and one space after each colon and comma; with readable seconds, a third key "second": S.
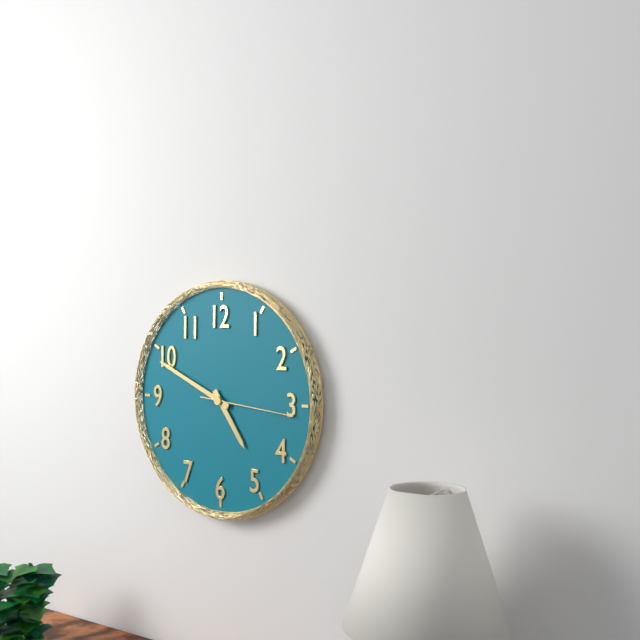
{"hour": 4, "minute": 49, "second": 16}
